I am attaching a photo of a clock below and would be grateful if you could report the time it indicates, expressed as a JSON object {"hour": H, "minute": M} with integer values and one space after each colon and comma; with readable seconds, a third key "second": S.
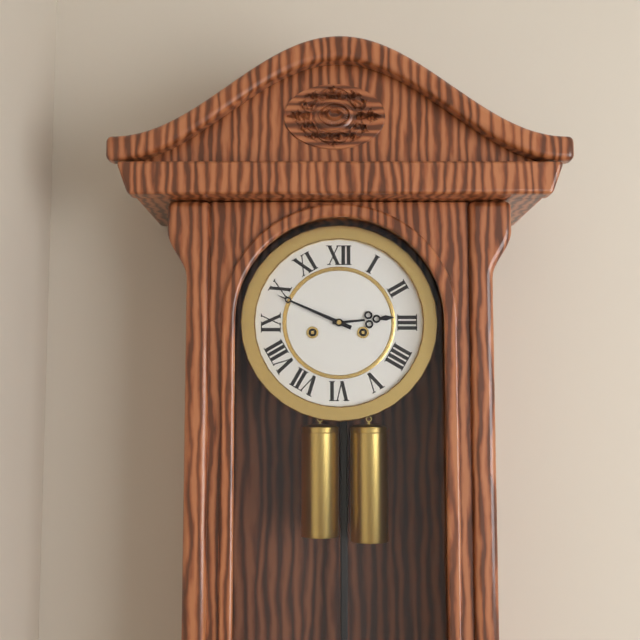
{"hour": 2, "minute": 49}
